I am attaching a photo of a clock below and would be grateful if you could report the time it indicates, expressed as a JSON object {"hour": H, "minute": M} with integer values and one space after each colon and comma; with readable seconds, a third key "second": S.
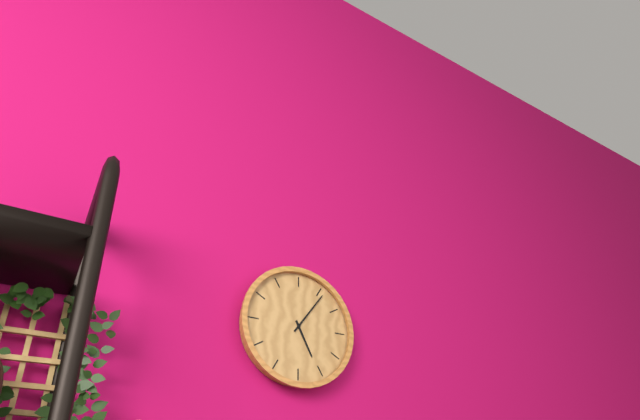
{"hour": 5, "minute": 6}
